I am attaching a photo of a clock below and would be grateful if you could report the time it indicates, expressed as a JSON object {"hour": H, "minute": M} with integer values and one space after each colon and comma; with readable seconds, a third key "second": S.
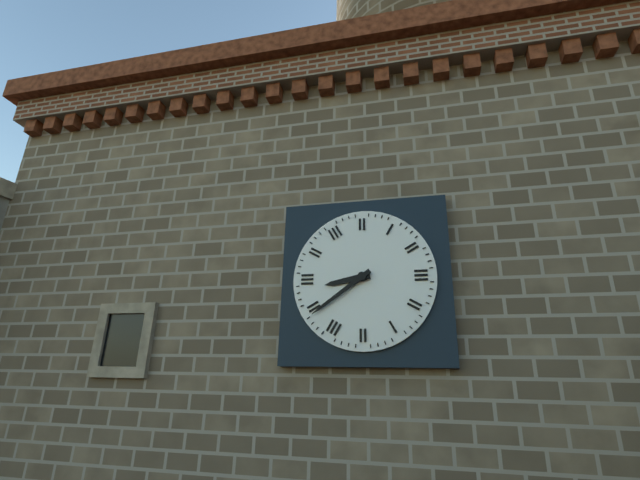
{"hour": 8, "minute": 39}
